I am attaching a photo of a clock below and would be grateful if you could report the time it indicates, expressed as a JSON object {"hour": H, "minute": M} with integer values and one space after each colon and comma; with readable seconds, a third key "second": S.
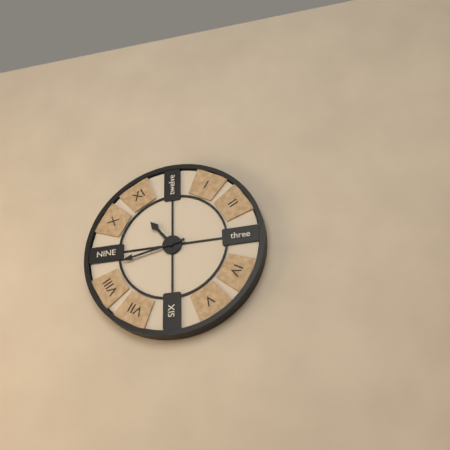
{"hour": 10, "minute": 43}
